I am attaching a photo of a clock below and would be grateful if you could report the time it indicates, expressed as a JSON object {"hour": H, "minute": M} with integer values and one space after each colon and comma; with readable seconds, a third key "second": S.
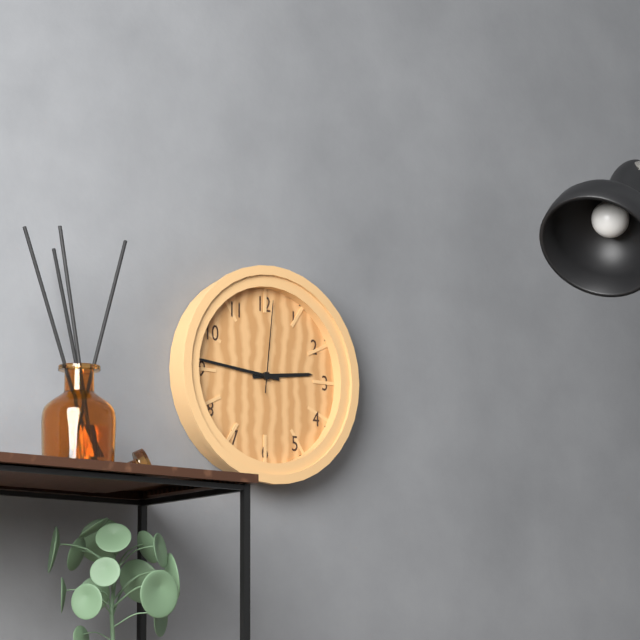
{"hour": 2, "minute": 46, "second": 1}
